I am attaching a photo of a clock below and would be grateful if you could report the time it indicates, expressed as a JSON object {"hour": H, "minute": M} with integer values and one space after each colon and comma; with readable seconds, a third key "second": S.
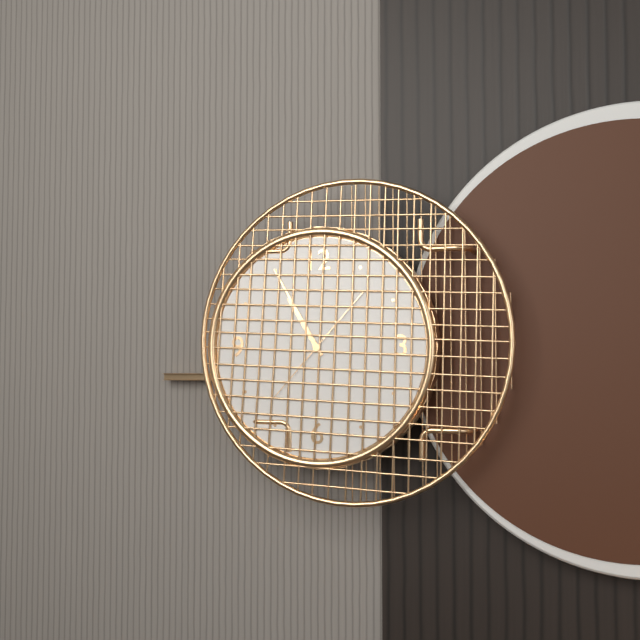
{"hour": 10, "minute": 55, "second": 7}
